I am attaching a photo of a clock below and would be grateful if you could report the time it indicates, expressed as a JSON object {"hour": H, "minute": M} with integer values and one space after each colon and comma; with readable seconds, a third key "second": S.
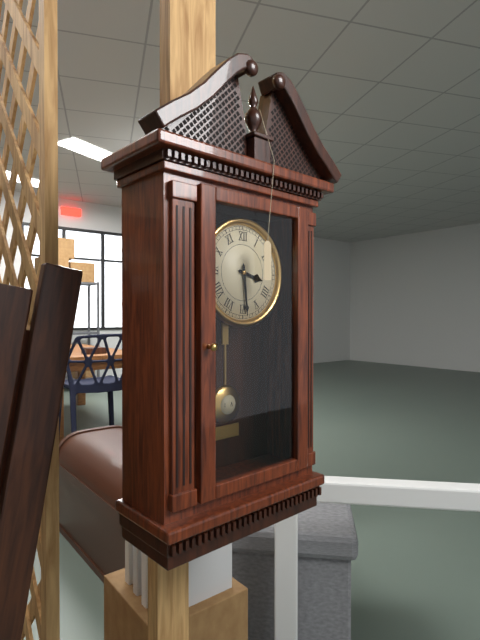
{"hour": 3, "minute": 29}
